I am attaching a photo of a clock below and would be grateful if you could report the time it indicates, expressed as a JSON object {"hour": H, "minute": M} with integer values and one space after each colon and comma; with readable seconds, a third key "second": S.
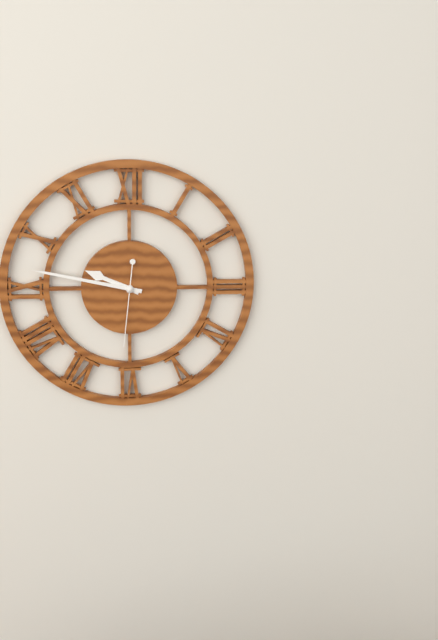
{"hour": 9, "minute": 47, "second": 31}
